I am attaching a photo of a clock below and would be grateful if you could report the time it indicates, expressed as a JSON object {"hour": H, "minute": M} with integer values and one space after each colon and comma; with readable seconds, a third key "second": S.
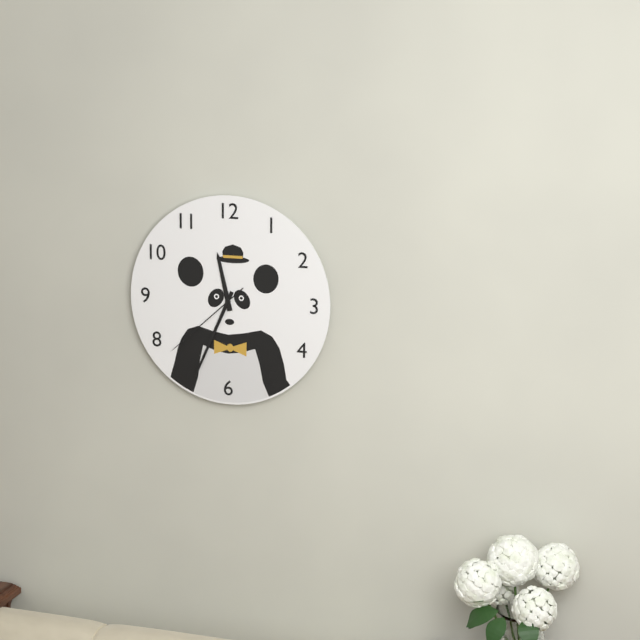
{"hour": 11, "minute": 34, "second": 38}
